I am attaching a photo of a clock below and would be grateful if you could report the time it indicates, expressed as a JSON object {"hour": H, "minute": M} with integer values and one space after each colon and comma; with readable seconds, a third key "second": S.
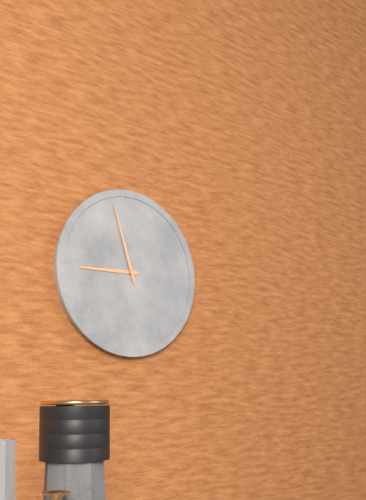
{"hour": 8, "minute": 57}
